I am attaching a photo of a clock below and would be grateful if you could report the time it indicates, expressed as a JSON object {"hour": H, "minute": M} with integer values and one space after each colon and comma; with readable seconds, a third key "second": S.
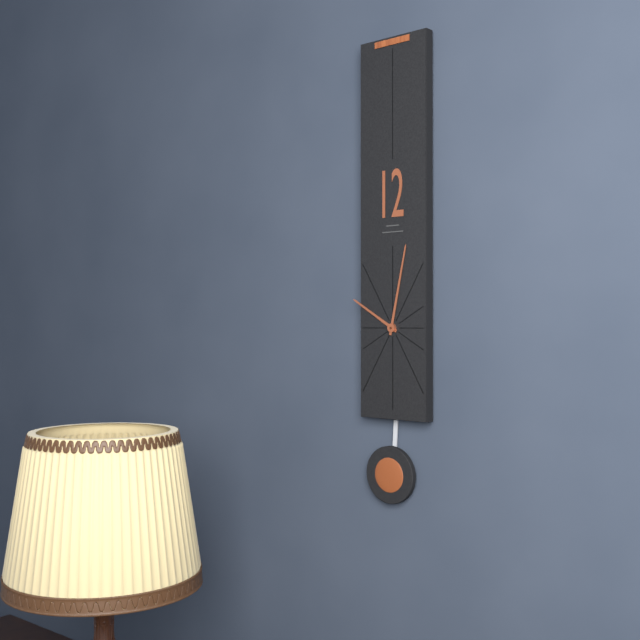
{"hour": 10, "minute": 2}
